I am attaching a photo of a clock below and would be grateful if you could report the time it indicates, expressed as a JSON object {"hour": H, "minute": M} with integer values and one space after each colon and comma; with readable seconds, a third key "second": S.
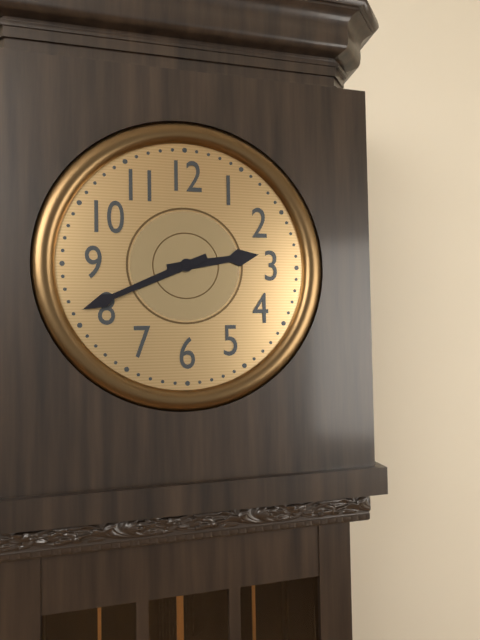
{"hour": 2, "minute": 41}
